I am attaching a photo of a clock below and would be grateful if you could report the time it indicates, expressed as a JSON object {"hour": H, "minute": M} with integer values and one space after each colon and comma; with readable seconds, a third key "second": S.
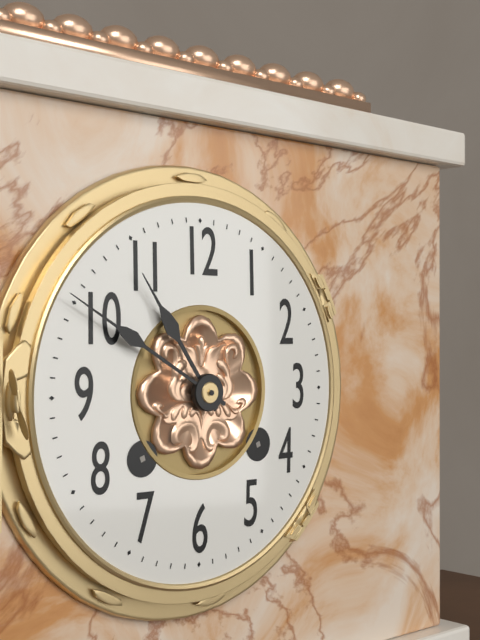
{"hour": 10, "minute": 50}
